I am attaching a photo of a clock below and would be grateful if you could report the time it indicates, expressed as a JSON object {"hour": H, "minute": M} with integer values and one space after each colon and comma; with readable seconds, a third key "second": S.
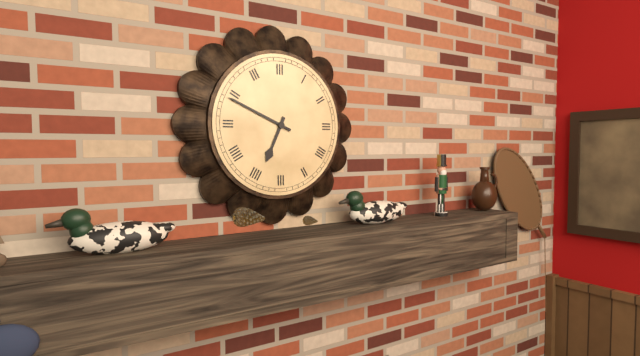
{"hour": 6, "minute": 49}
